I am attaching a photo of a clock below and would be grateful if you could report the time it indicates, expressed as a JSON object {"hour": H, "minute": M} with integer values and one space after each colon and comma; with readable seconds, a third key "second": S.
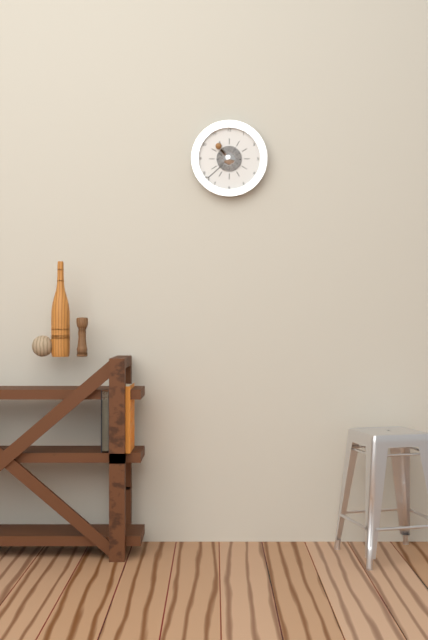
{"hour": 10, "minute": 38}
